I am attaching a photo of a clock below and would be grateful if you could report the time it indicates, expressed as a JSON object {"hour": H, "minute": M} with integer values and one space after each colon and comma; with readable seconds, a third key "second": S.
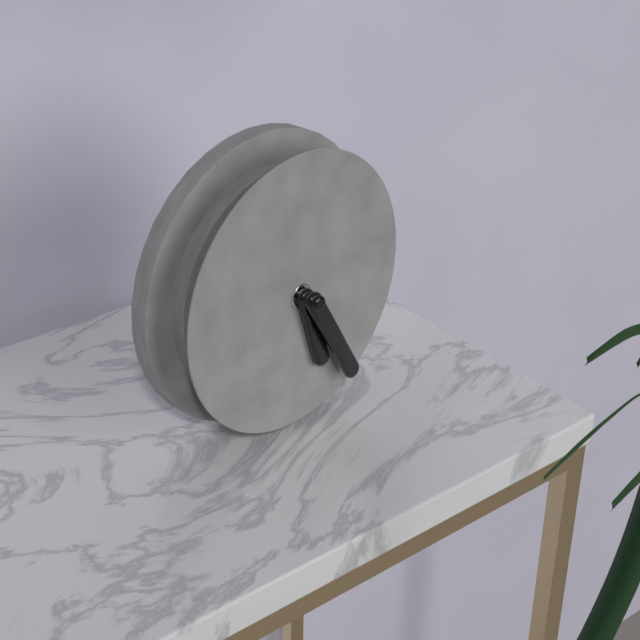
{"hour": 5, "minute": 25}
